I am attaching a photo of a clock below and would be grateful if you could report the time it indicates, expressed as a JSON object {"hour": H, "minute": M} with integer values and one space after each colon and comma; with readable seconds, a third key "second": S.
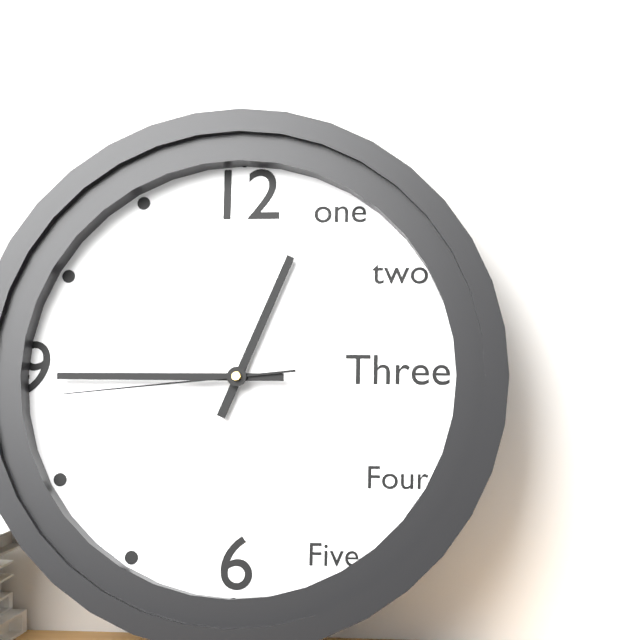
{"hour": 12, "minute": 45, "second": 44}
